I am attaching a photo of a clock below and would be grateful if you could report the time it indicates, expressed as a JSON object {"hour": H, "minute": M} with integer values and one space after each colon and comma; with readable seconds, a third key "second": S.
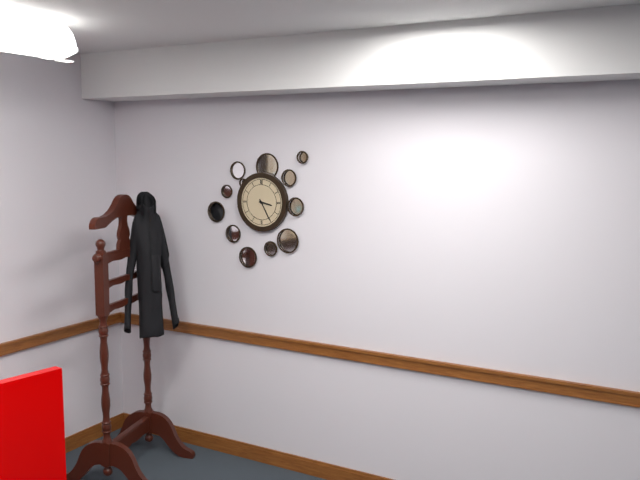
{"hour": 3, "minute": 25}
